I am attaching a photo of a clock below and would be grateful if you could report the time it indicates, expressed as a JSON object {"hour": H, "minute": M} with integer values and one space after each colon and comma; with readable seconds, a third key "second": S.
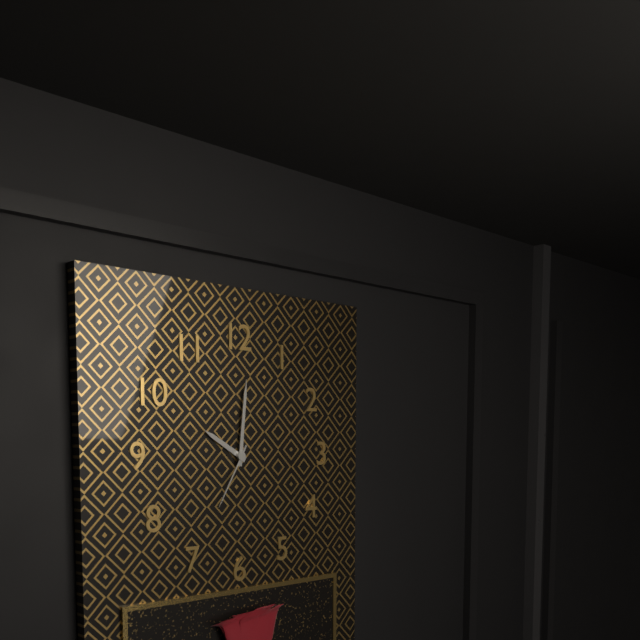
{"hour": 10, "minute": 1, "second": 35}
